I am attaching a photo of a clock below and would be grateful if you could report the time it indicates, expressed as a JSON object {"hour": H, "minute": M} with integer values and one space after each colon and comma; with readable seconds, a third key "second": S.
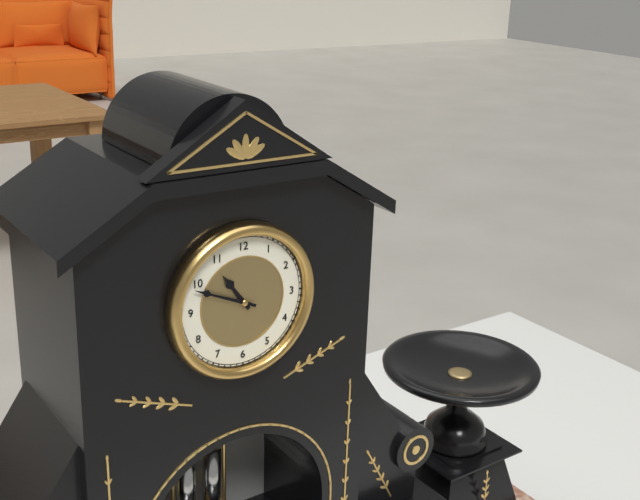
{"hour": 10, "minute": 49}
